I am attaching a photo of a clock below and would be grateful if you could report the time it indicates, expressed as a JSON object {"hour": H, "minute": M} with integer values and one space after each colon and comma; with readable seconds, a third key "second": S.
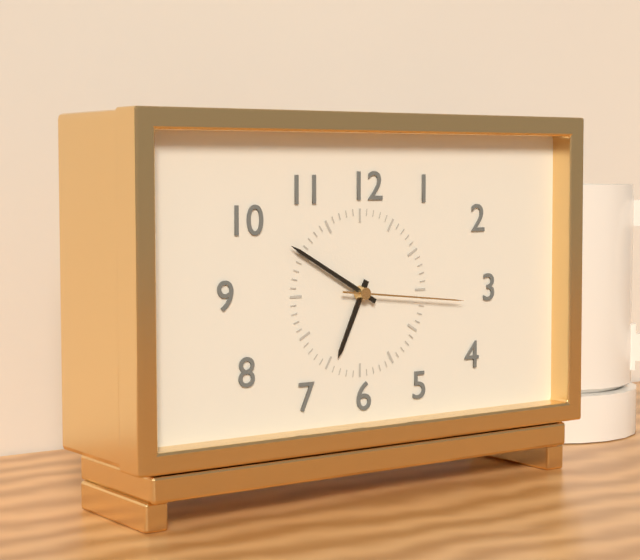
{"hour": 6, "minute": 50, "second": 16}
